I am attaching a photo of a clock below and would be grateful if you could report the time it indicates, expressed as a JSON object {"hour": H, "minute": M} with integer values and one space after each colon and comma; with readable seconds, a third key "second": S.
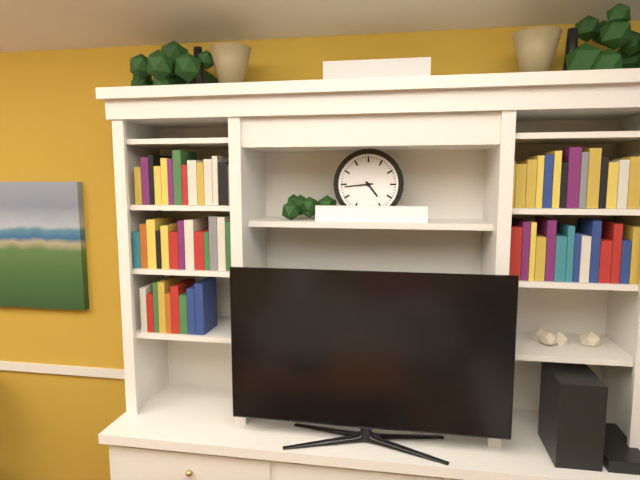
{"hour": 4, "minute": 44}
